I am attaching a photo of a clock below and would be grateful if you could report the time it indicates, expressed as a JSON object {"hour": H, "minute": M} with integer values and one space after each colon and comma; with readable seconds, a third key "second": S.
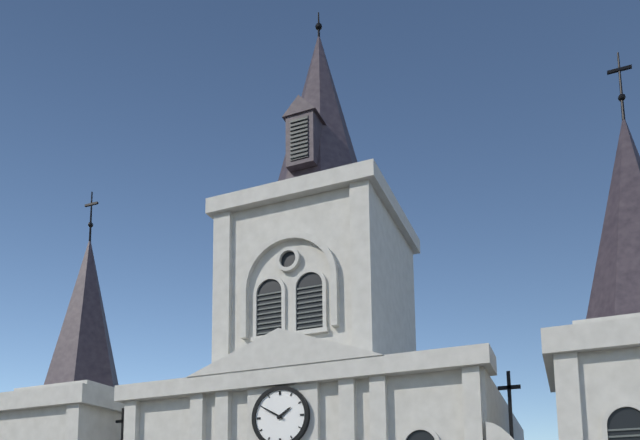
{"hour": 1, "minute": 50}
